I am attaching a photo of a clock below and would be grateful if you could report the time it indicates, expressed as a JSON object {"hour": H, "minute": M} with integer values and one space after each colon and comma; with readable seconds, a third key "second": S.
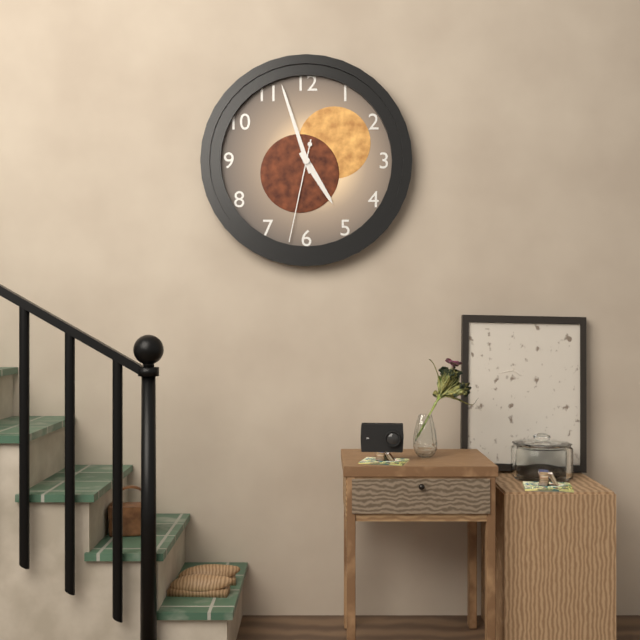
{"hour": 4, "minute": 57, "second": 32}
